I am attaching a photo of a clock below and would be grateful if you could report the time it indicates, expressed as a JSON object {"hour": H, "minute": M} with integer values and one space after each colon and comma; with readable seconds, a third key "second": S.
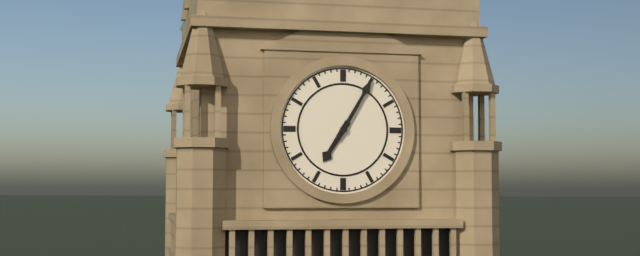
{"hour": 7, "minute": 5}
